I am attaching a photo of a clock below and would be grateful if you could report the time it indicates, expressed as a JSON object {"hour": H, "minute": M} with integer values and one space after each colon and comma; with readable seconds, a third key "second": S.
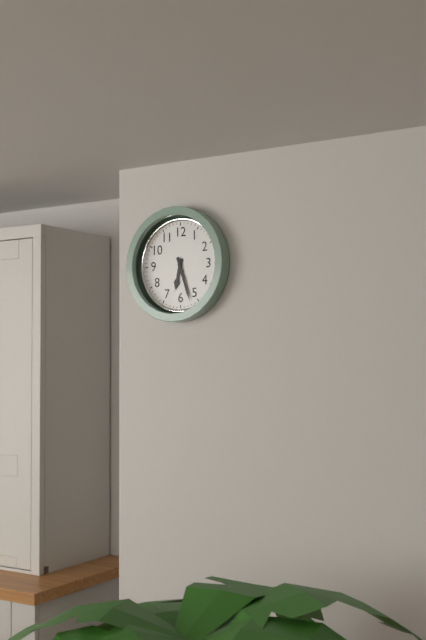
{"hour": 6, "minute": 27}
